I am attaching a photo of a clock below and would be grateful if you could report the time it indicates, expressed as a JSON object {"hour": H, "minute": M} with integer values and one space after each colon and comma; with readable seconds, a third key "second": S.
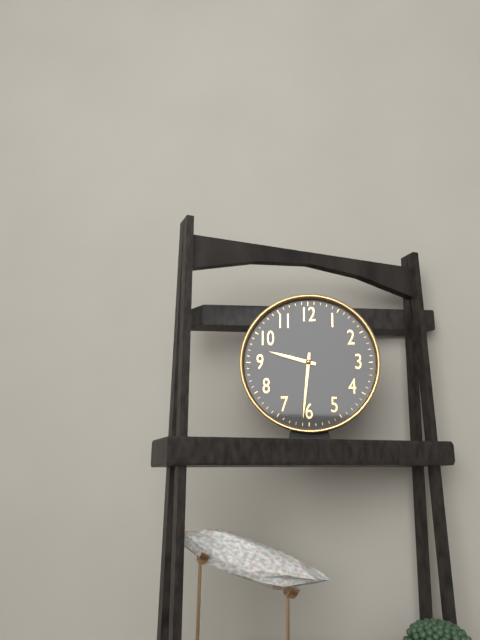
{"hour": 9, "minute": 31}
